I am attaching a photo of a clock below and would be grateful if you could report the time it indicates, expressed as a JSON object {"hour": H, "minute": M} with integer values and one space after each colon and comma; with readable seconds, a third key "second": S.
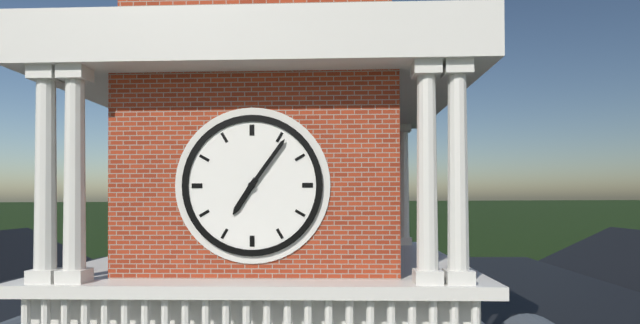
{"hour": 7, "minute": 6}
